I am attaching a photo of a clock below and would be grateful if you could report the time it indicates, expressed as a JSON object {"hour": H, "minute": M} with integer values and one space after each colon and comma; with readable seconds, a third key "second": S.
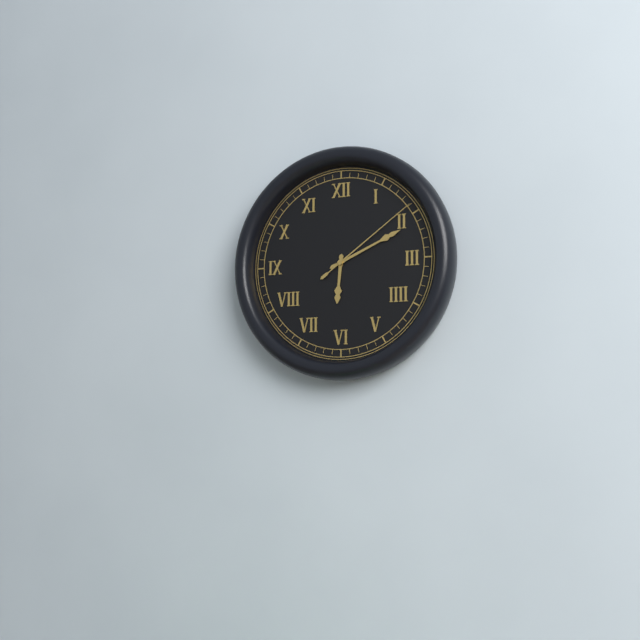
{"hour": 6, "minute": 11, "second": 9}
